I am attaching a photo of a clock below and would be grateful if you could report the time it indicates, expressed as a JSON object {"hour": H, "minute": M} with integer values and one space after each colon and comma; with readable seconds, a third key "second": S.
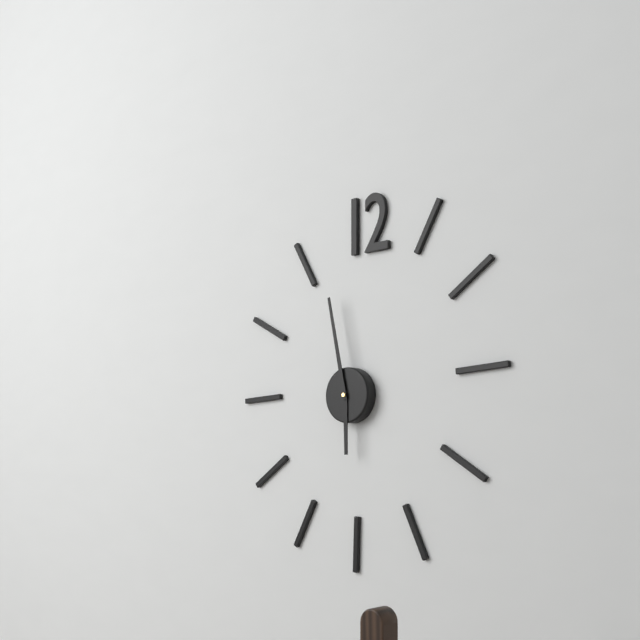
{"hour": 5, "minute": 58}
